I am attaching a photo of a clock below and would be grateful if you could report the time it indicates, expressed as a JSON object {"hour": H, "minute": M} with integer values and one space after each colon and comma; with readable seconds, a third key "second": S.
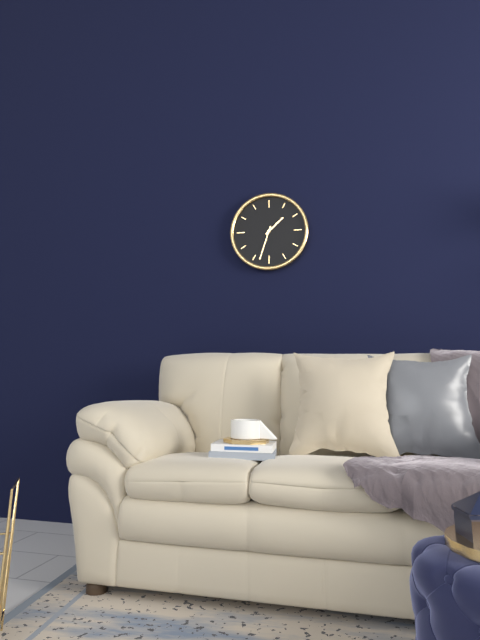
{"hour": 1, "minute": 33}
